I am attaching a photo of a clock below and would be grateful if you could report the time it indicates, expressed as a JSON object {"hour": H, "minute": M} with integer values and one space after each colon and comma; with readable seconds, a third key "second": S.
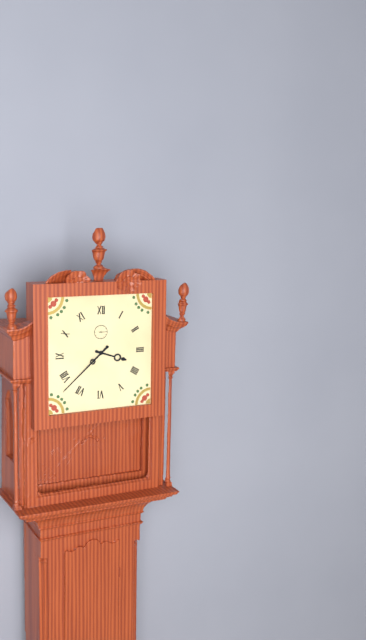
{"hour": 3, "minute": 38}
